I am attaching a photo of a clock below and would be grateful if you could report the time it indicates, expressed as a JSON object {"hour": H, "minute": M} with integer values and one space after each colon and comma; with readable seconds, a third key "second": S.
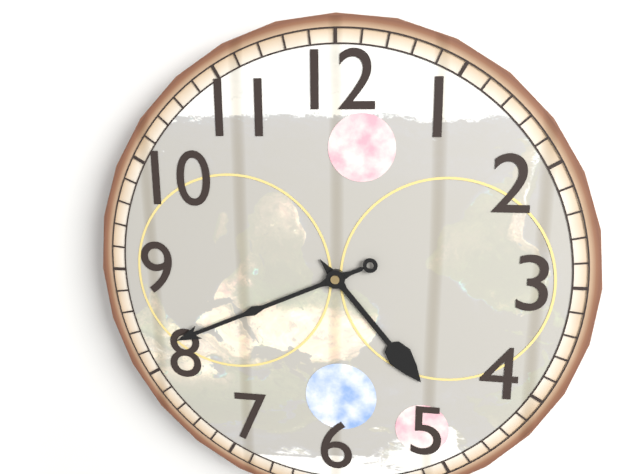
{"hour": 4, "minute": 41}
